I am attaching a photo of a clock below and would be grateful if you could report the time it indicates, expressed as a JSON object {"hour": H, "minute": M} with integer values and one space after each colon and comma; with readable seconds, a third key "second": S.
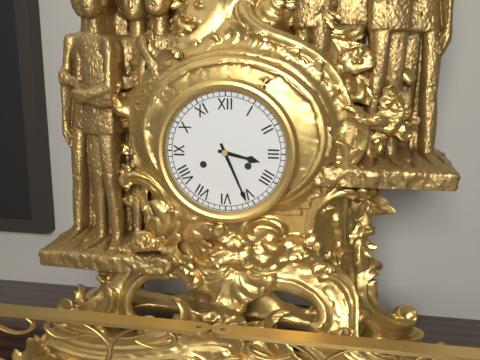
{"hour": 3, "minute": 26}
